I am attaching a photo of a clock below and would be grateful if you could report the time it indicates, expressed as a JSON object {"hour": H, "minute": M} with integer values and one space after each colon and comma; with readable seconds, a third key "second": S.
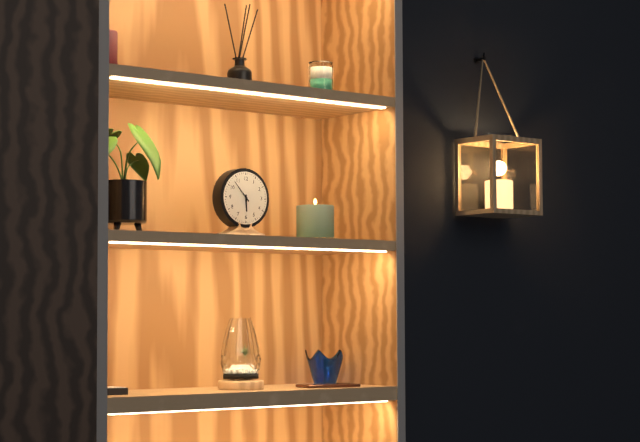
{"hour": 5, "minute": 53}
